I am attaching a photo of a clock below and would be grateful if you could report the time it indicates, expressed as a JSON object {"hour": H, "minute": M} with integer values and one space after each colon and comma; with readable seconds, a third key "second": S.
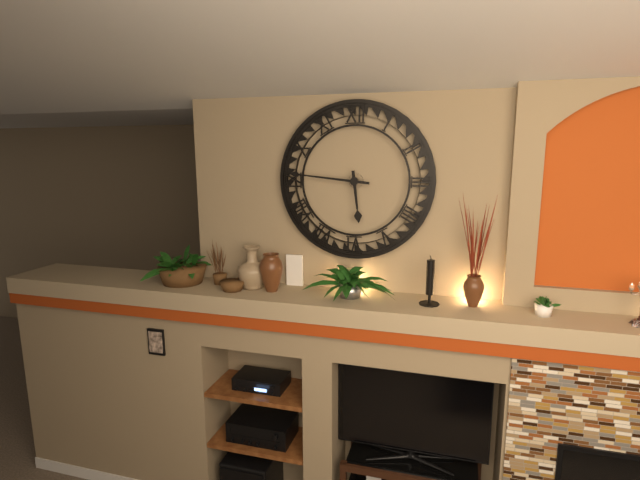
{"hour": 5, "minute": 46}
